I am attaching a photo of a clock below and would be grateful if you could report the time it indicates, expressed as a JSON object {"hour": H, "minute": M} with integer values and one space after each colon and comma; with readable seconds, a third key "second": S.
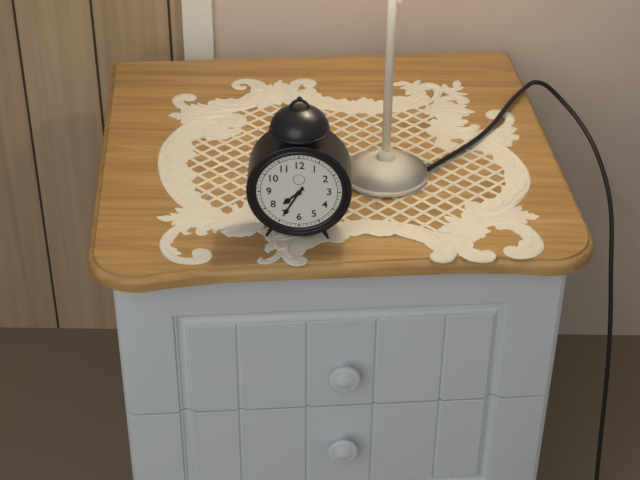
{"hour": 7, "minute": 35}
